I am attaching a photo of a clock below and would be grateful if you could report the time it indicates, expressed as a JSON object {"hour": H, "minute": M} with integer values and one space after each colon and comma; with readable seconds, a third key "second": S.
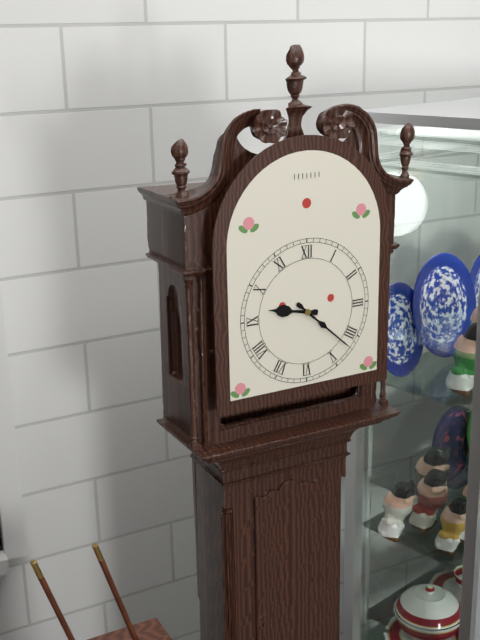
{"hour": 9, "minute": 22}
